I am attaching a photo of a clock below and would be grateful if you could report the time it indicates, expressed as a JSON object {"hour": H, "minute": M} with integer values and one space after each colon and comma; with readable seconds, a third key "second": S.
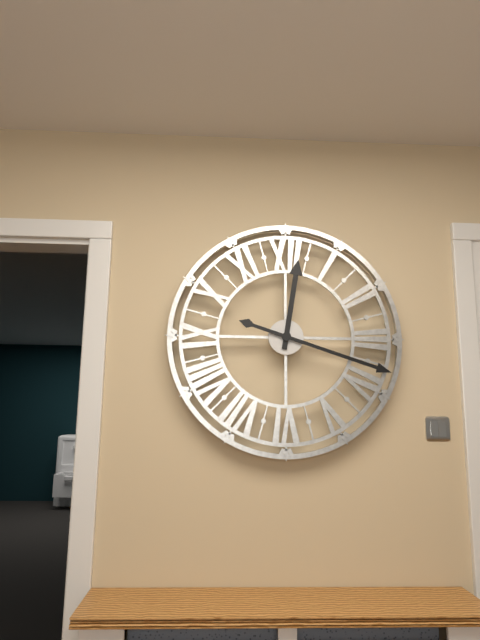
{"hour": 12, "minute": 18}
